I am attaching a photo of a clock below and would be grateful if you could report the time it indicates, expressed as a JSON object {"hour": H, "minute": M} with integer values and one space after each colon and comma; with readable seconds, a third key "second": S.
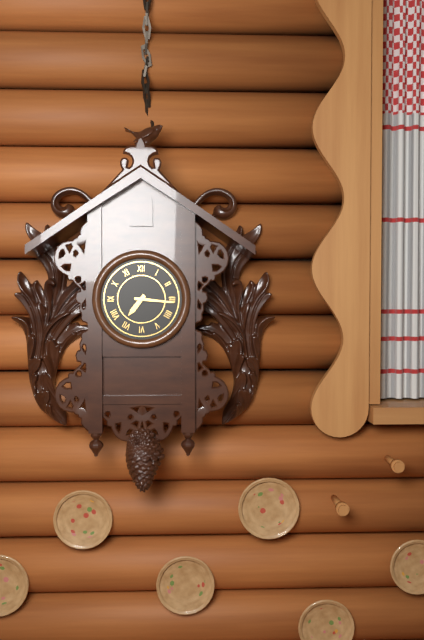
{"hour": 7, "minute": 16}
